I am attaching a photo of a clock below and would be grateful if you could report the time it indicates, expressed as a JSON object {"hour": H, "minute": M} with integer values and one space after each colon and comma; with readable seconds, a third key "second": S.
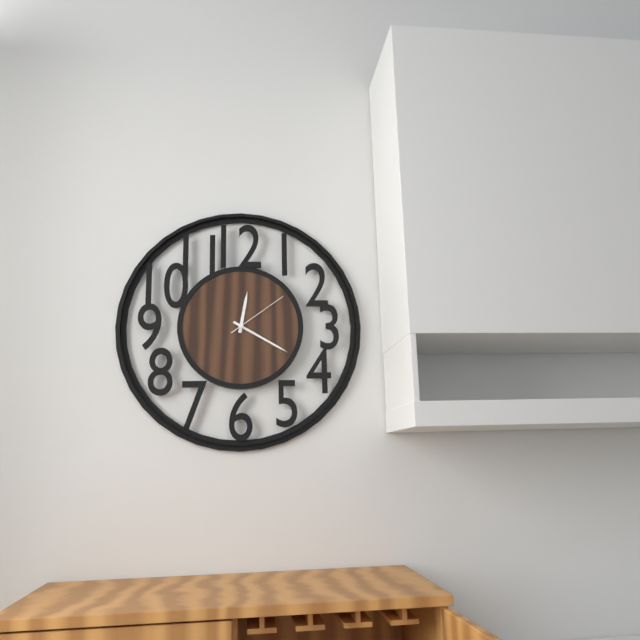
{"hour": 12, "minute": 20, "second": 9}
